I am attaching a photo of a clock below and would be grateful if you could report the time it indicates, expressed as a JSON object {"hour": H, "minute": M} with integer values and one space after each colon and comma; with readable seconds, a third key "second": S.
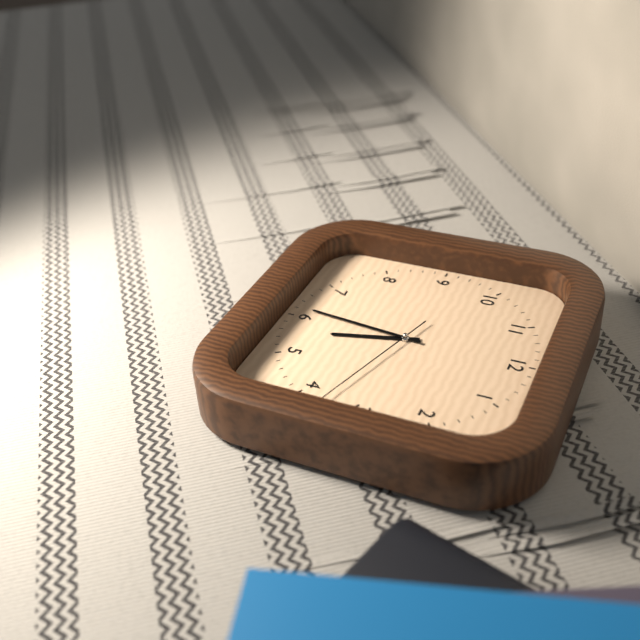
{"hour": 5, "minute": 31, "second": 18}
